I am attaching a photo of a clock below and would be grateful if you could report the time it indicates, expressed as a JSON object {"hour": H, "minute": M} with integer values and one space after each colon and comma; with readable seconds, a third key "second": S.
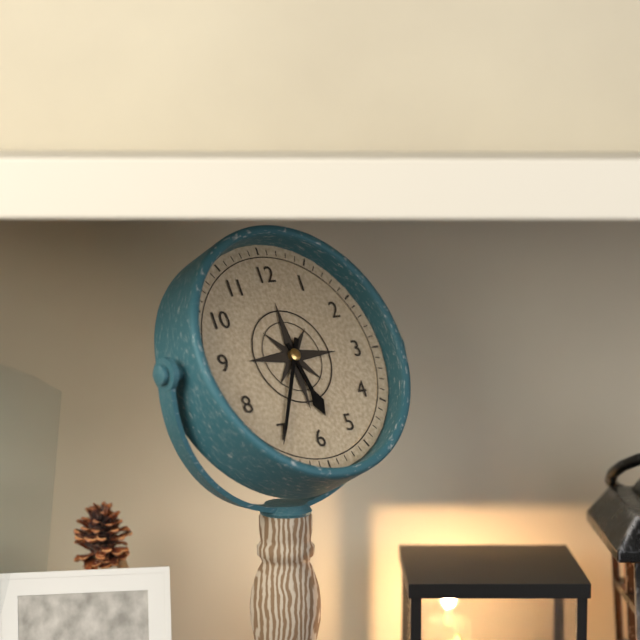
{"hour": 5, "minute": 35}
